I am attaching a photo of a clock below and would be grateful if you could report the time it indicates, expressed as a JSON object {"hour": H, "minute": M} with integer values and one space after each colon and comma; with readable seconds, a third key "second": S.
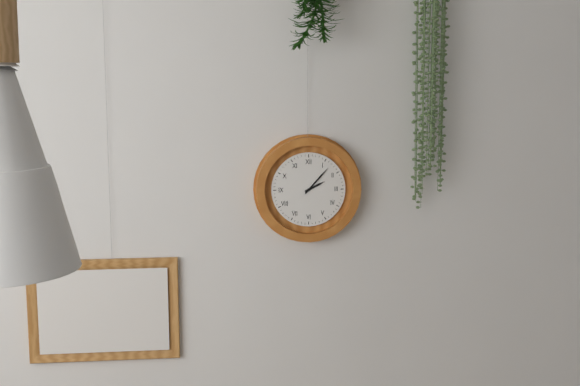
{"hour": 2, "minute": 7}
